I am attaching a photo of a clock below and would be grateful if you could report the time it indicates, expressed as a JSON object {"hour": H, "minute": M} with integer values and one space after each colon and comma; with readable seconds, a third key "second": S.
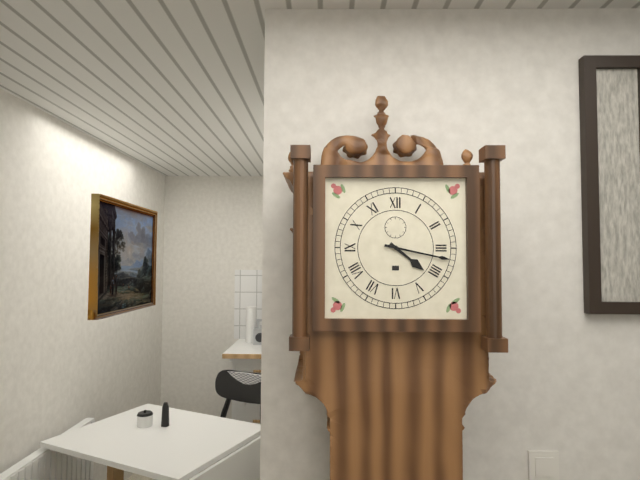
{"hour": 4, "minute": 17}
